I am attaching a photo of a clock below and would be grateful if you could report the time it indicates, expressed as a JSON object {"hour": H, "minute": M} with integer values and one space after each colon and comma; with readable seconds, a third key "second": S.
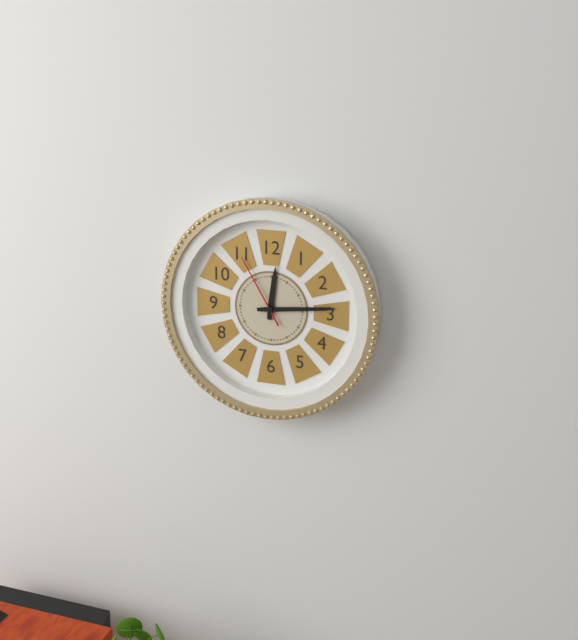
{"hour": 12, "minute": 14, "second": 55}
